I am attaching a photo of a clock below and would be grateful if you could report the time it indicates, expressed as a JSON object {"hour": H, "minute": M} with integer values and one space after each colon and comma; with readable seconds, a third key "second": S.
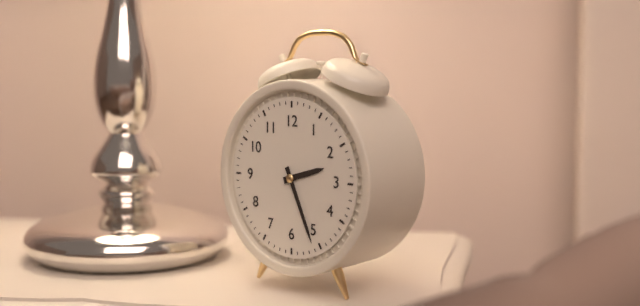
{"hour": 2, "minute": 26}
